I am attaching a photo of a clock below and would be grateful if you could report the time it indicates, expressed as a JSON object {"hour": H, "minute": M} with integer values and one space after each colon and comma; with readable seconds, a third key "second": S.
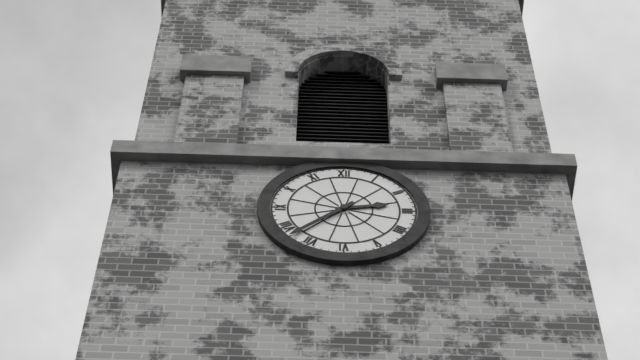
{"hour": 2, "minute": 38}
